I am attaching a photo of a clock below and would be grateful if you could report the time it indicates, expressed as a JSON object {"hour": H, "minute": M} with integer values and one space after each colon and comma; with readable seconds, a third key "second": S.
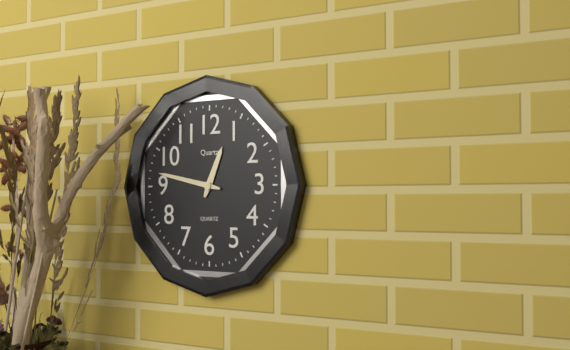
{"hour": 12, "minute": 47}
